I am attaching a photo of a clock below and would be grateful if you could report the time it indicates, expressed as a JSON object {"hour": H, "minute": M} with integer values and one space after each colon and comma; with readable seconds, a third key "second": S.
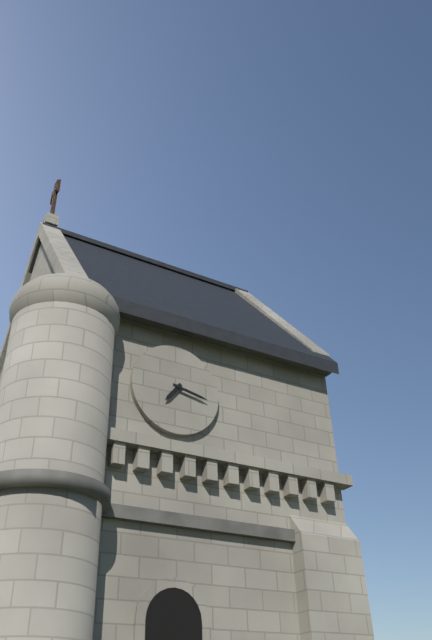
{"hour": 7, "minute": 17}
